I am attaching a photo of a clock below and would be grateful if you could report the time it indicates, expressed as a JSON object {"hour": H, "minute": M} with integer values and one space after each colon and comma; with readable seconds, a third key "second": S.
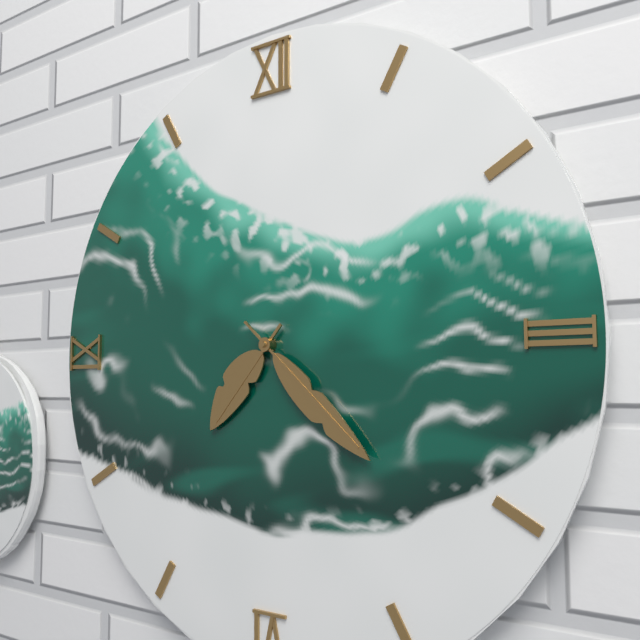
{"hour": 7, "minute": 22}
